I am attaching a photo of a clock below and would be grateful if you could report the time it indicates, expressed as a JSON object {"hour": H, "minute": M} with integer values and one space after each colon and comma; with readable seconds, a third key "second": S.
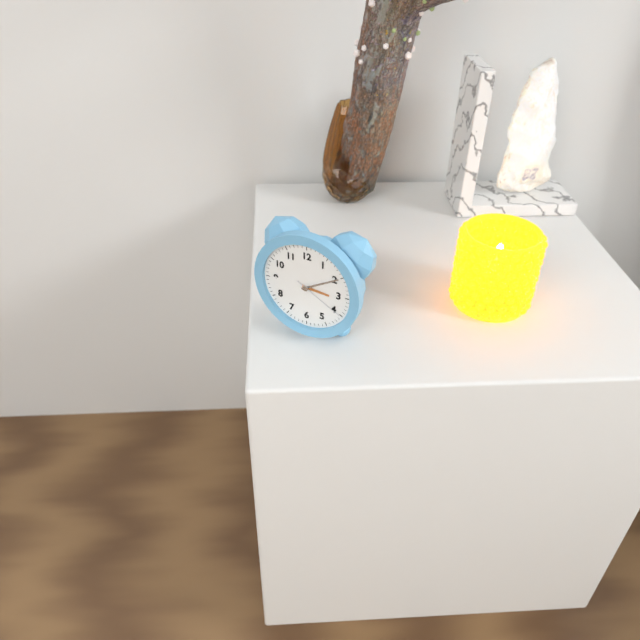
{"hour": 3, "minute": 10, "second": 20}
